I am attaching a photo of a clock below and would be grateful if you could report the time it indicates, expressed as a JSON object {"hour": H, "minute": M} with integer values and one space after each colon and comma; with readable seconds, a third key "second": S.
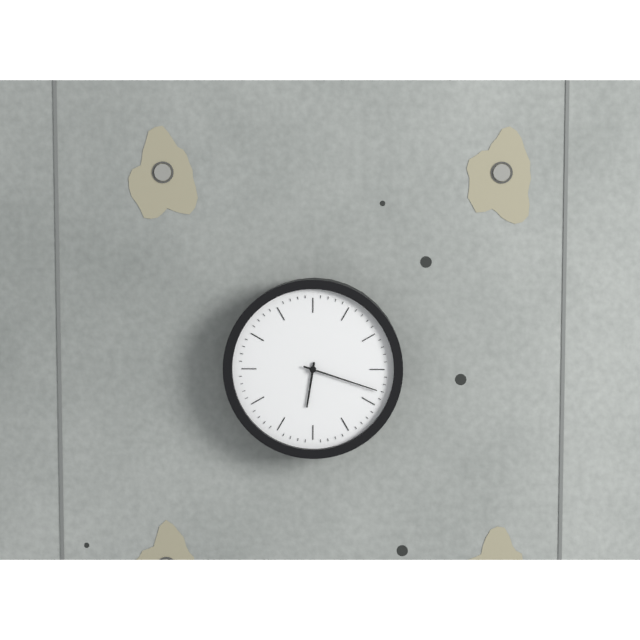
{"hour": 6, "minute": 18}
